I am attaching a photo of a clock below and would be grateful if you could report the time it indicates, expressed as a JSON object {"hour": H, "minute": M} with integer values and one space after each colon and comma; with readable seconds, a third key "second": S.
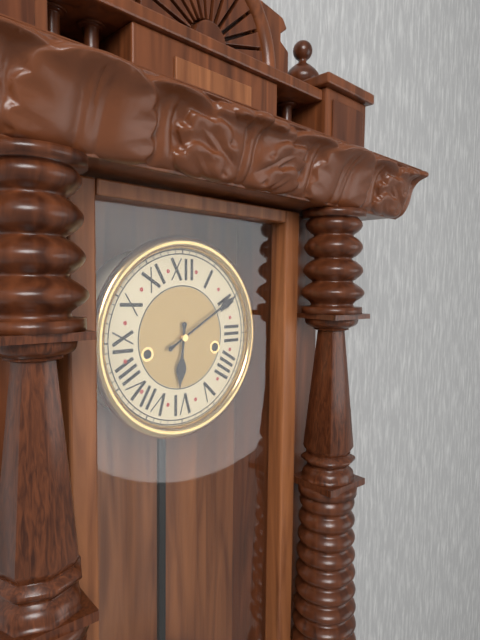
{"hour": 6, "minute": 10}
